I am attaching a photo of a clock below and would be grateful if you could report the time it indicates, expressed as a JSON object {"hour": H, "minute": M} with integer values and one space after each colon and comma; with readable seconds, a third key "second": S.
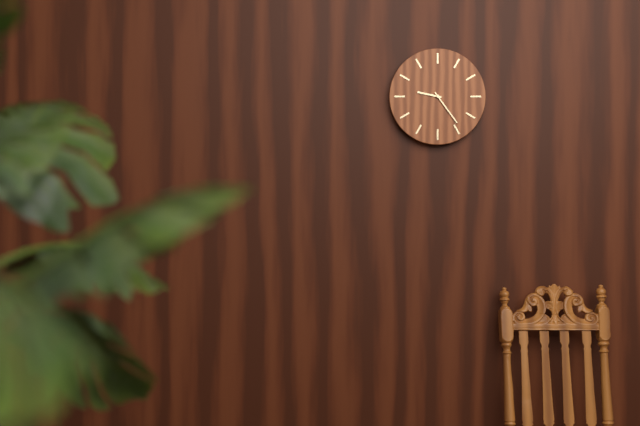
{"hour": 9, "minute": 24}
